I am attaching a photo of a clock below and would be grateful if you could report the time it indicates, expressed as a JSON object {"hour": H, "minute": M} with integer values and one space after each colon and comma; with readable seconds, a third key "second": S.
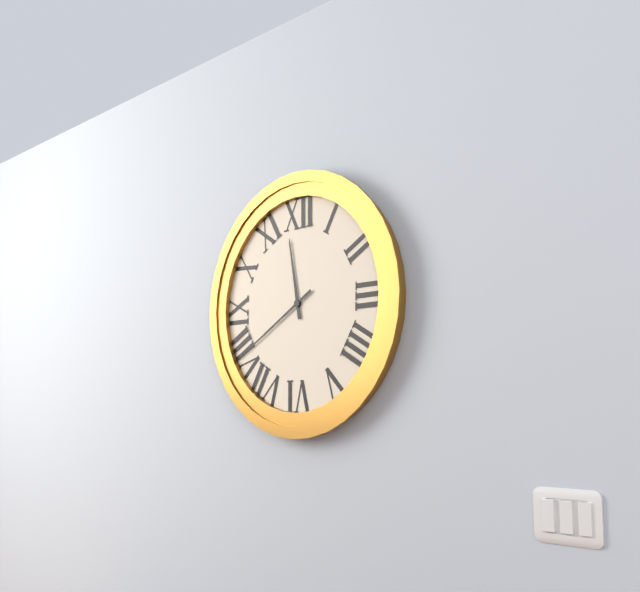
{"hour": 11, "minute": 40}
